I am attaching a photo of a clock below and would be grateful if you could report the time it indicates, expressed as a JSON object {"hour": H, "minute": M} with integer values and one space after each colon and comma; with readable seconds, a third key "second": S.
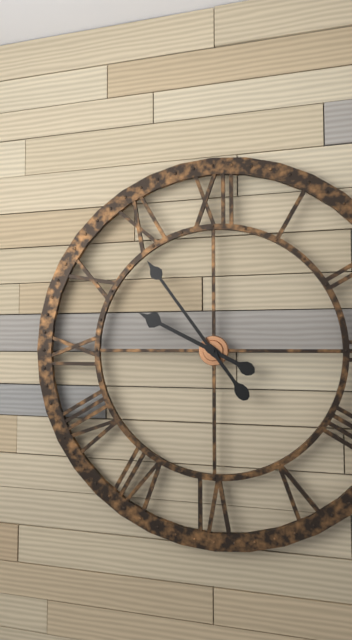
{"hour": 9, "minute": 54}
